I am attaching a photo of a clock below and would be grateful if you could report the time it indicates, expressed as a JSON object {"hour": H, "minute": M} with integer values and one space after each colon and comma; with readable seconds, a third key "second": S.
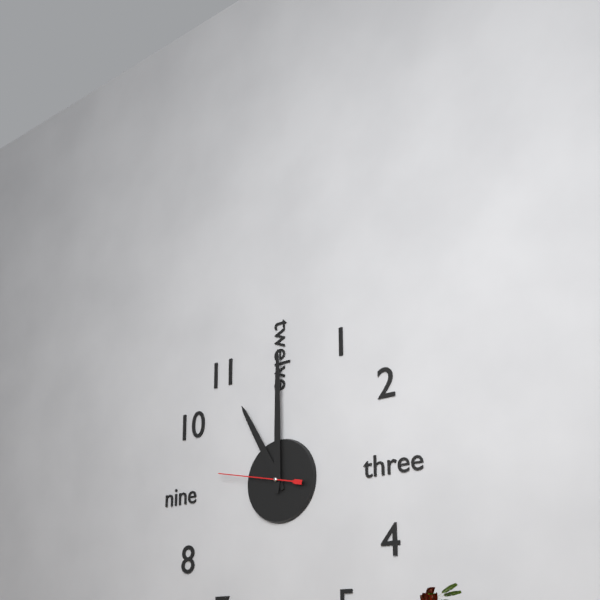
{"hour": 11, "minute": 0, "second": 47}
